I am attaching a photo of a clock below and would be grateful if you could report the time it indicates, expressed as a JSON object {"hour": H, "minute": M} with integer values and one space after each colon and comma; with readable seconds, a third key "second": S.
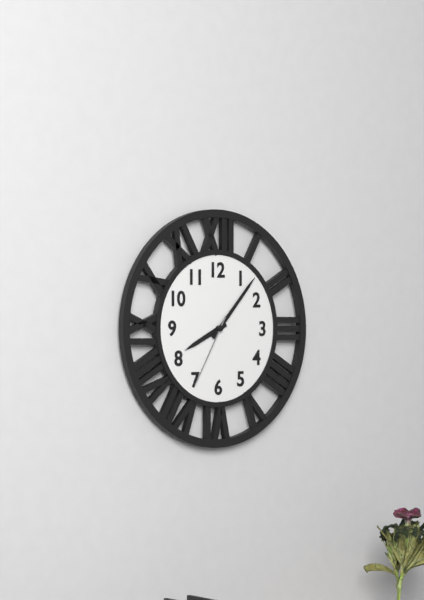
{"hour": 8, "minute": 7, "second": 35}
